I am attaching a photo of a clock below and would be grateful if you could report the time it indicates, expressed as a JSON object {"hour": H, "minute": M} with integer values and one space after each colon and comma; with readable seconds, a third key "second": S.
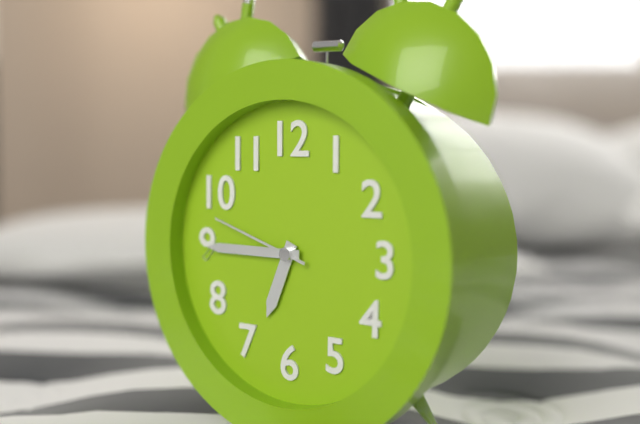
{"hour": 6, "minute": 45, "second": 48}
